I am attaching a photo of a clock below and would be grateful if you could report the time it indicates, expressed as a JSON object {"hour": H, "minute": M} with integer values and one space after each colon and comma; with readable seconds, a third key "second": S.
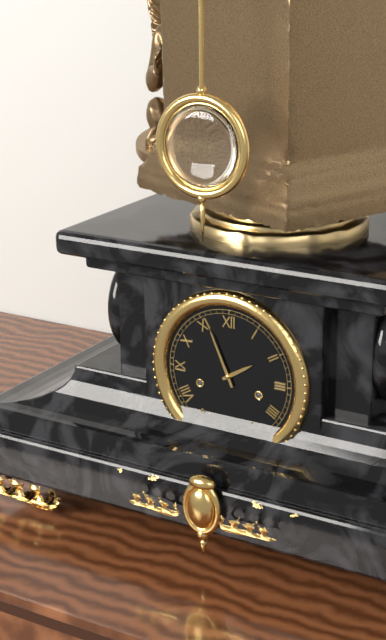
{"hour": 1, "minute": 56}
